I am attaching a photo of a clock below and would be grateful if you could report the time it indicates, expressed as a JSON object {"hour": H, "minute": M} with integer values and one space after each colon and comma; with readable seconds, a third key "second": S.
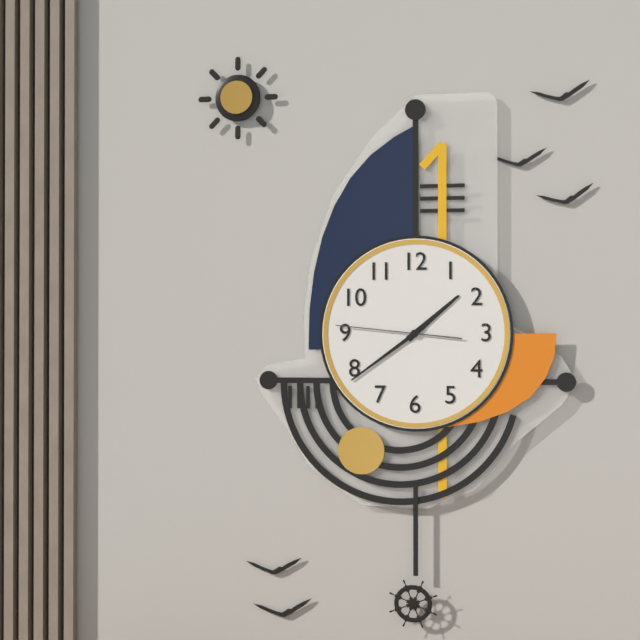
{"hour": 1, "minute": 39, "second": 46}
